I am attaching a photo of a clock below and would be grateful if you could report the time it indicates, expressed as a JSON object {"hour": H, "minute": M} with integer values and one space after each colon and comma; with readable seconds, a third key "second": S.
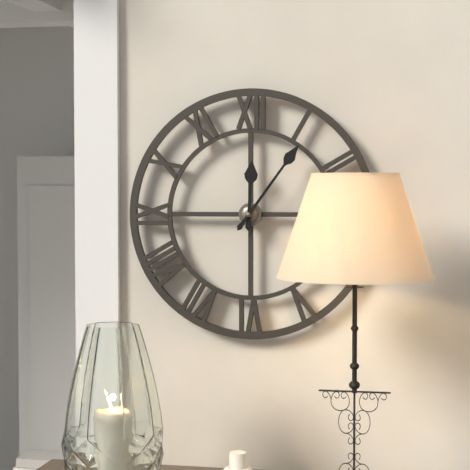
{"hour": 12, "minute": 6}
